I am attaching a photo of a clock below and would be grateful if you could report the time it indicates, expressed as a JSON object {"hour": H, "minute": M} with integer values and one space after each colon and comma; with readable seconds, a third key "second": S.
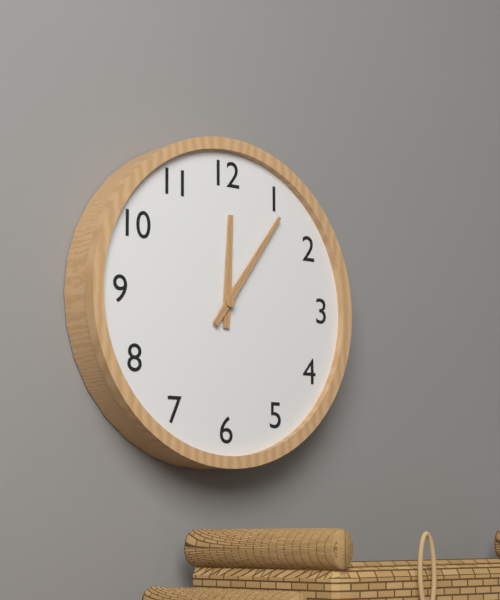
{"hour": 12, "minute": 6}
